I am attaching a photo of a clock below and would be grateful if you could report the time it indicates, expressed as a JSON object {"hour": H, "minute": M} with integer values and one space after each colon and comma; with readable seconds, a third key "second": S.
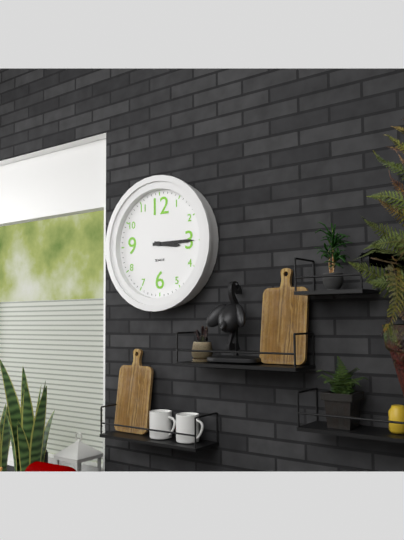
{"hour": 3, "minute": 15}
